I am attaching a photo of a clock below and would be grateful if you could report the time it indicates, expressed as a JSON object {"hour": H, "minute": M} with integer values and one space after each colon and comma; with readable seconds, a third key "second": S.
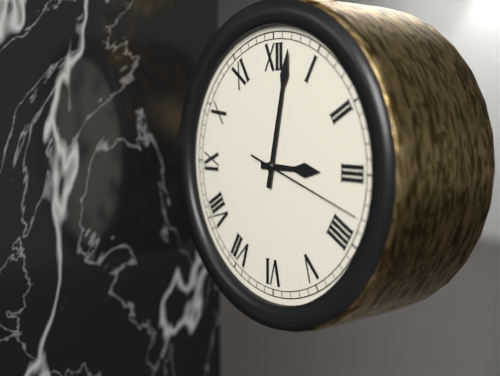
{"hour": 3, "minute": 2, "second": 18}
